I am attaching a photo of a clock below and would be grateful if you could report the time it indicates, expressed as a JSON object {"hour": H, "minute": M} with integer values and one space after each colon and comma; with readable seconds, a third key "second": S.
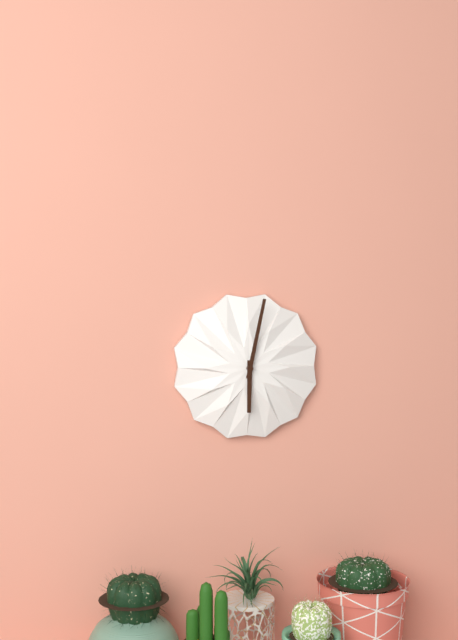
{"hour": 6, "minute": 2}
